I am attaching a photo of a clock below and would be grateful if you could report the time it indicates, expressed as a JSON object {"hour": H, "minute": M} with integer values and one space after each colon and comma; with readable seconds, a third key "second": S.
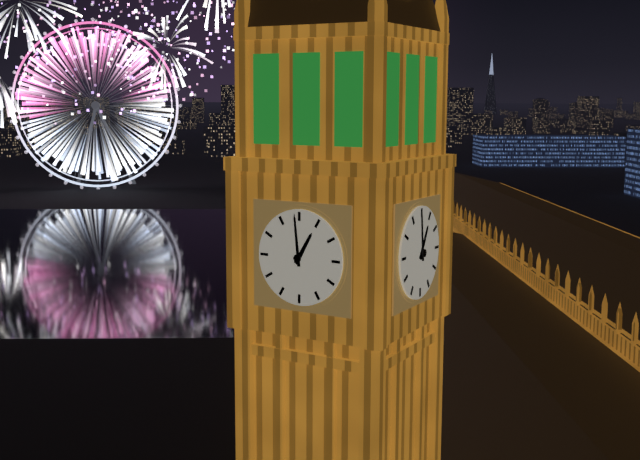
{"hour": 12, "minute": 59}
